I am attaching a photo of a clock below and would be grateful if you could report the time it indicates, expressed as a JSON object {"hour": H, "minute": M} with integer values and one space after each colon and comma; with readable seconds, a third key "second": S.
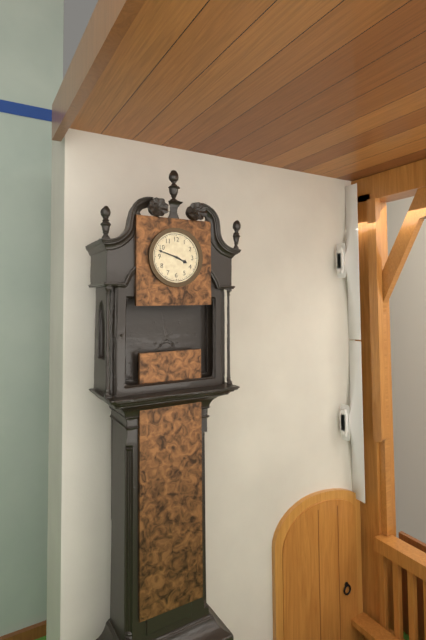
{"hour": 3, "minute": 48}
